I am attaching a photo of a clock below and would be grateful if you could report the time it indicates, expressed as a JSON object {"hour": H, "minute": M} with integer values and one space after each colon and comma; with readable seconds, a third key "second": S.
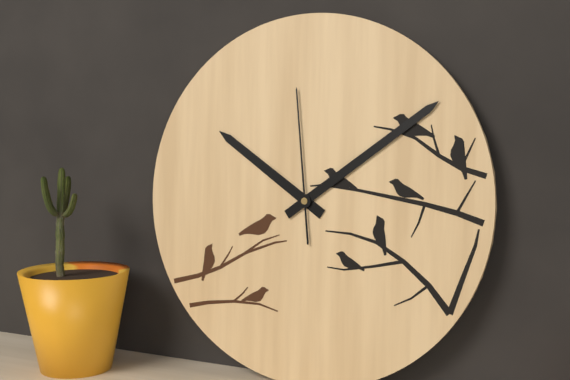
{"hour": 10, "minute": 9, "second": 59}
